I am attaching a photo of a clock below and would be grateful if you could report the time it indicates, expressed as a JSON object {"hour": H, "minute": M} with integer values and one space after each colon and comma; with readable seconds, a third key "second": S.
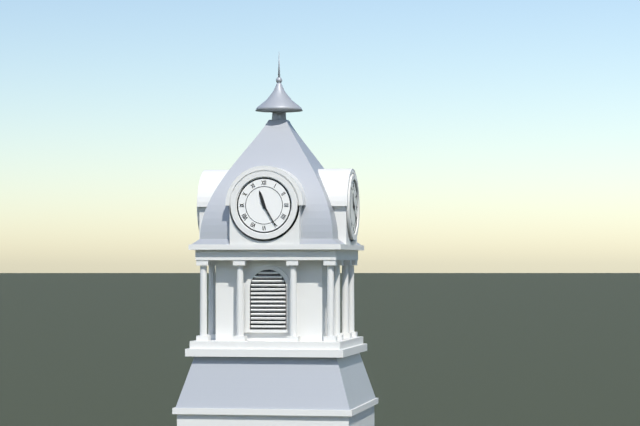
{"hour": 11, "minute": 25}
